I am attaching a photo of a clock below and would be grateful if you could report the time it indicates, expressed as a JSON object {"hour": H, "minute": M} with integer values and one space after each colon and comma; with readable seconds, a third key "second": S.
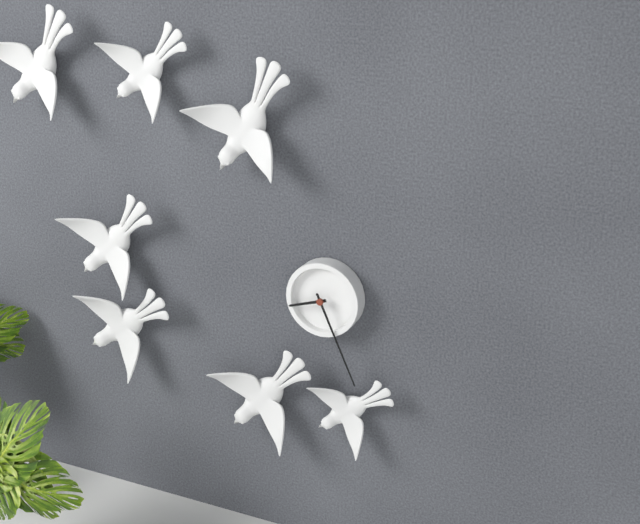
{"hour": 8, "minute": 26}
